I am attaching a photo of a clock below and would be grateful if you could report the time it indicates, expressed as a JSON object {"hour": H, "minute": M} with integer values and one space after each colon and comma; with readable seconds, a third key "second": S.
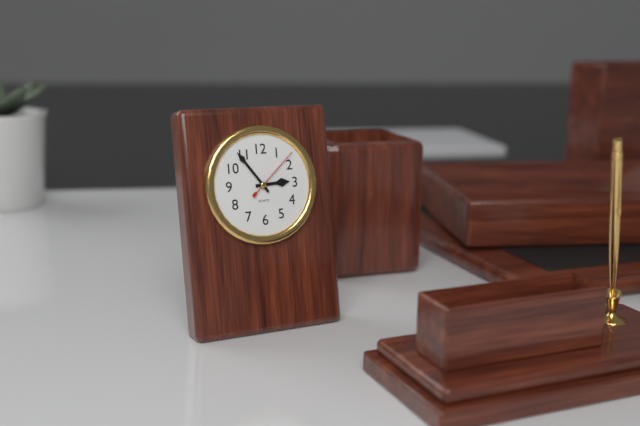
{"hour": 2, "minute": 54, "second": 8}
